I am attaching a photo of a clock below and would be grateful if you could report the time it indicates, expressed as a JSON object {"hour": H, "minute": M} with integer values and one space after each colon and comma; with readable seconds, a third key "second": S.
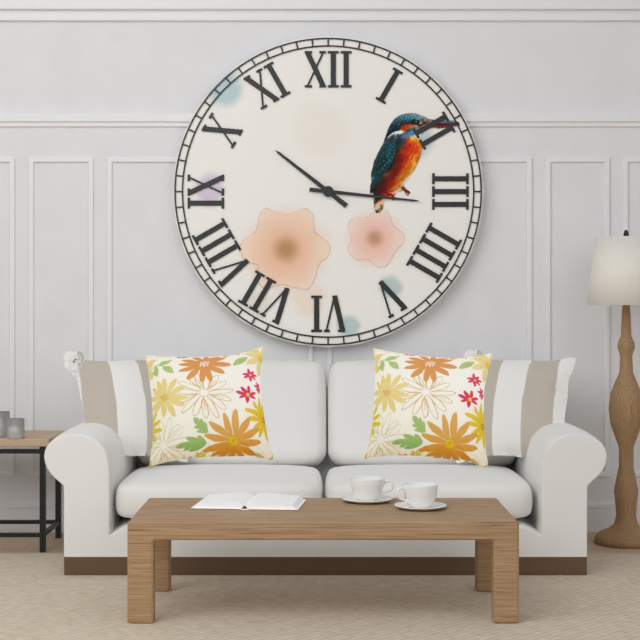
{"hour": 10, "minute": 16}
